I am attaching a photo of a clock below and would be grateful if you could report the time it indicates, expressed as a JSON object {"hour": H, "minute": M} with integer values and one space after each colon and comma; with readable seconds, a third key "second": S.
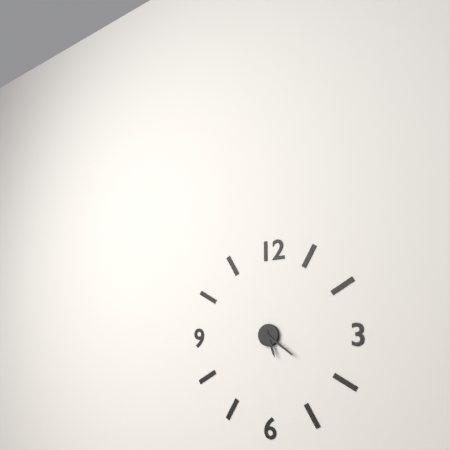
{"hour": 5, "minute": 21}
